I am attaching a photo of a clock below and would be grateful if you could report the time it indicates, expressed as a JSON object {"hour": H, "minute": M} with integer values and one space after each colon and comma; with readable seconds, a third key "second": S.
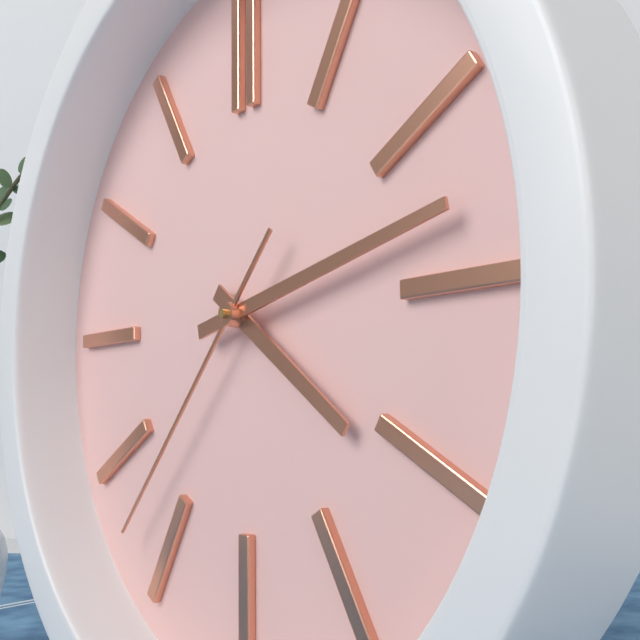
{"hour": 4, "minute": 13, "second": 37}
